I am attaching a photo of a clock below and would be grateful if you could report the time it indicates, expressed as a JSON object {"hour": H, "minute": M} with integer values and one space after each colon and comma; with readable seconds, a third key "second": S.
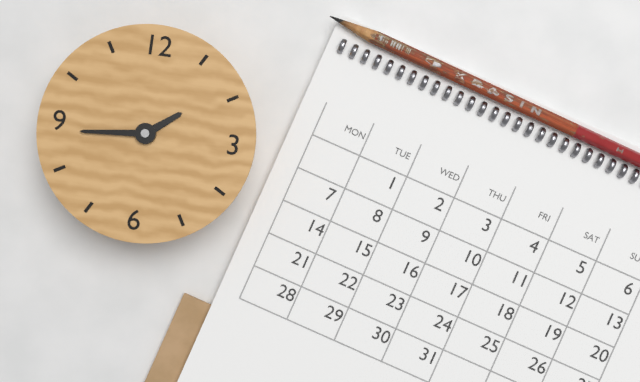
{"hour": 1, "minute": 44}
